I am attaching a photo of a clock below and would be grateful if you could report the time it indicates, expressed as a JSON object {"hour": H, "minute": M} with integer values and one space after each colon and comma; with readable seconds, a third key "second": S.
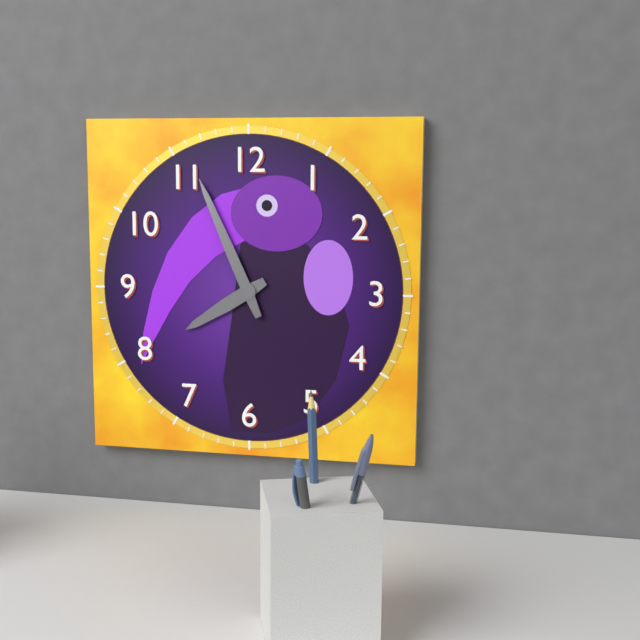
{"hour": 7, "minute": 56}
